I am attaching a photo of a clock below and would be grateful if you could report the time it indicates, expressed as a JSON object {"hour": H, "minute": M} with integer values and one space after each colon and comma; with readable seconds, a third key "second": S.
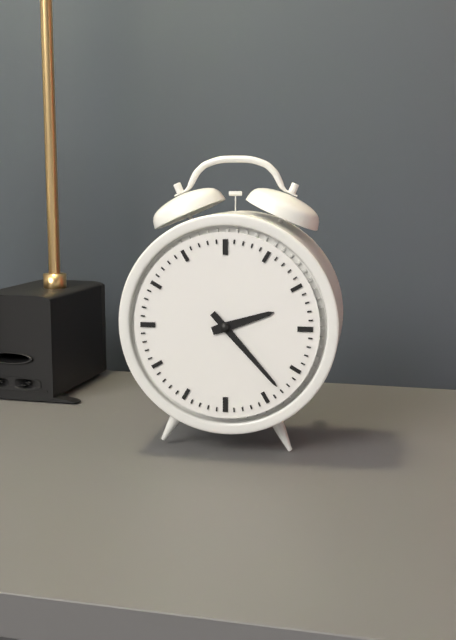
{"hour": 2, "minute": 23}
